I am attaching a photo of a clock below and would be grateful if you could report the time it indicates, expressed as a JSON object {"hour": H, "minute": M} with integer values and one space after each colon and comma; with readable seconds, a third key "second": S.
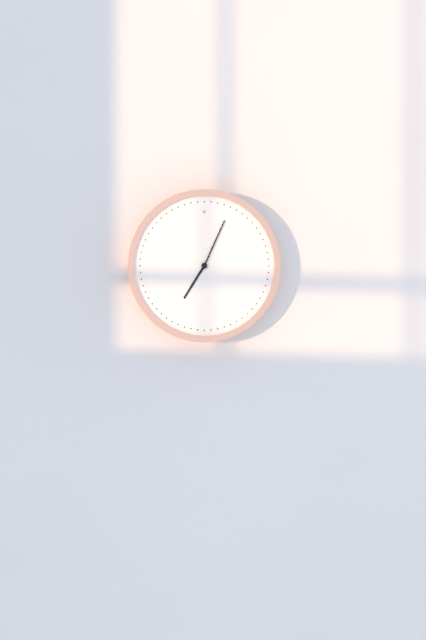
{"hour": 7, "minute": 4}
